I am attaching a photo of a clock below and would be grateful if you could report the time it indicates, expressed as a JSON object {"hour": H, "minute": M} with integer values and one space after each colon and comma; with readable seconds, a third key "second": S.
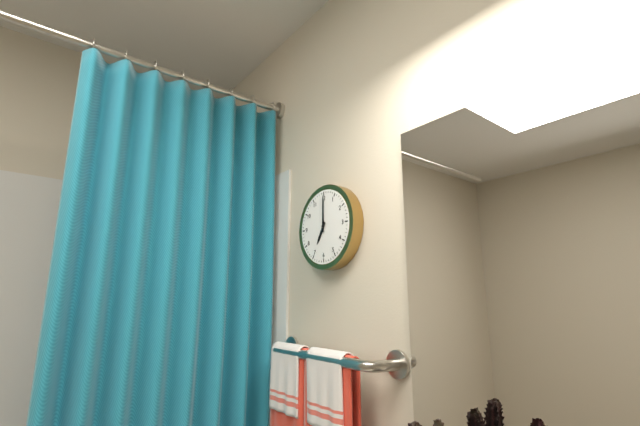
{"hour": 7, "minute": 0}
